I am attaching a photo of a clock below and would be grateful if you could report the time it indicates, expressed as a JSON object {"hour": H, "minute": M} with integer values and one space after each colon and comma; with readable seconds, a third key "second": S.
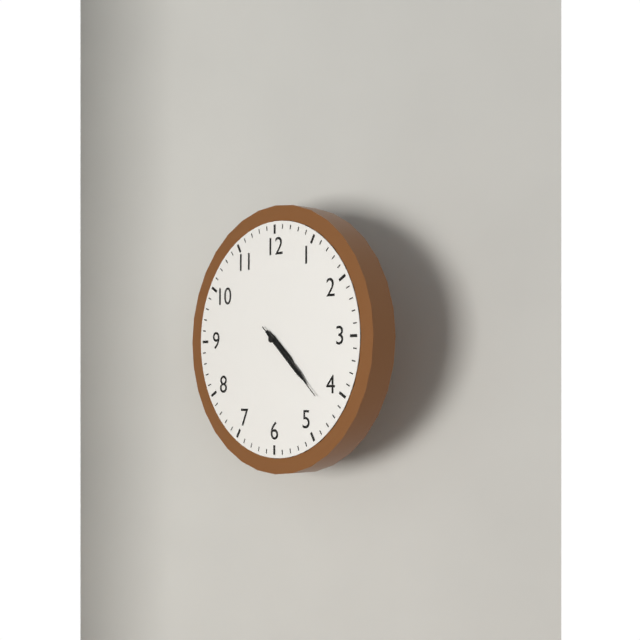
{"hour": 4, "minute": 22, "second": 22}
